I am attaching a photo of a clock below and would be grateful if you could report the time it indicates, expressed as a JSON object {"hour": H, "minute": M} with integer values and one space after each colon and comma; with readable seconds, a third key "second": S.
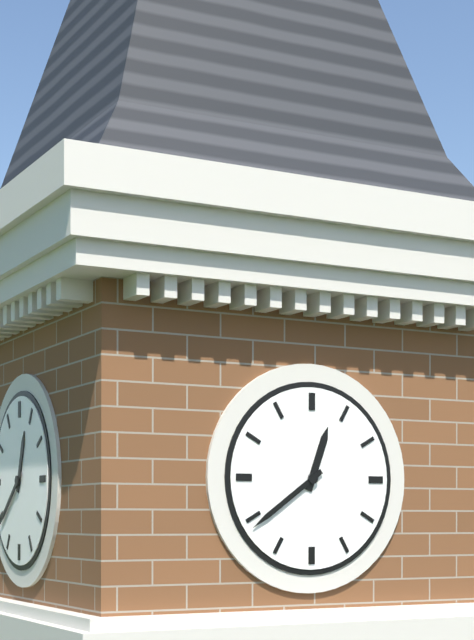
{"hour": 12, "minute": 39}
